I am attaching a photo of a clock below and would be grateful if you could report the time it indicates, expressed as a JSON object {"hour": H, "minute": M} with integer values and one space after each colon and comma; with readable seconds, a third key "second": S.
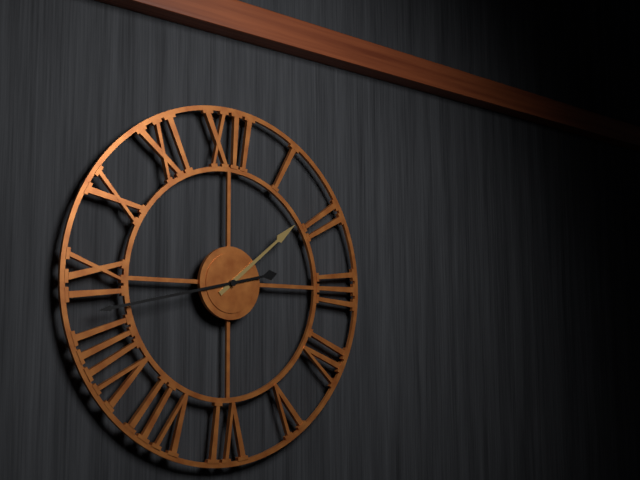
{"hour": 1, "minute": 43}
